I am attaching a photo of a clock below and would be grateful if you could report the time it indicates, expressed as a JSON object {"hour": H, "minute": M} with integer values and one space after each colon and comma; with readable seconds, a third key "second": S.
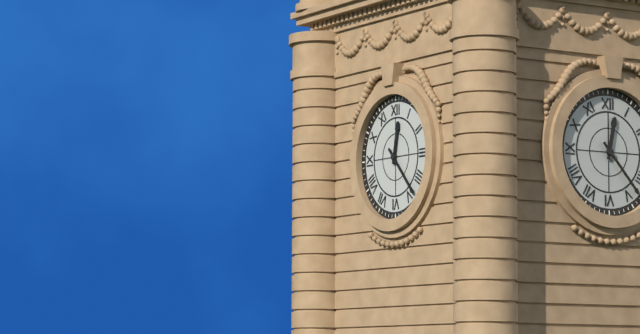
{"hour": 12, "minute": 23}
